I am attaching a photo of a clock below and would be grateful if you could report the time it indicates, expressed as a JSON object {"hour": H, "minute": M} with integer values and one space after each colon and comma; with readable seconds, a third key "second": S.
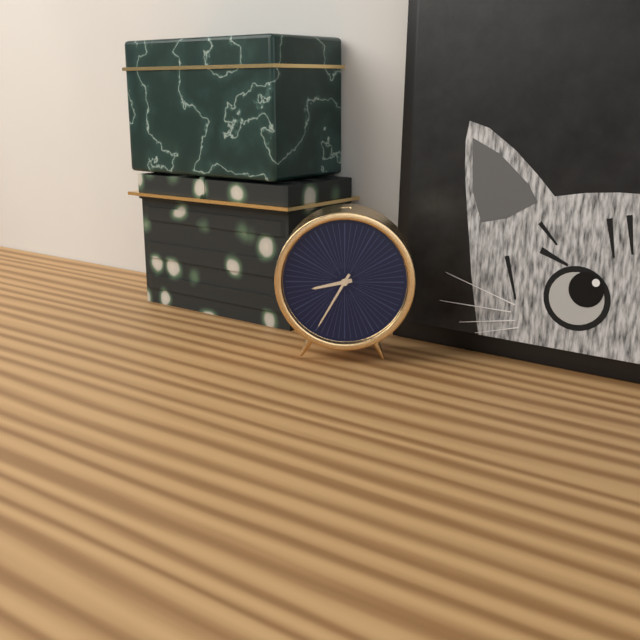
{"hour": 8, "minute": 35}
